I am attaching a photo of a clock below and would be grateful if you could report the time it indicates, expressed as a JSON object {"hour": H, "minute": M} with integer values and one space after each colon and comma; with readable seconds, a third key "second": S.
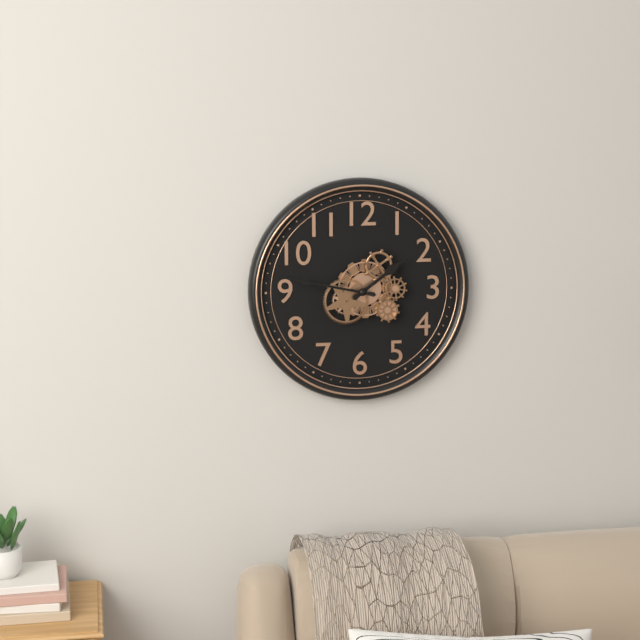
{"hour": 1, "minute": 47}
